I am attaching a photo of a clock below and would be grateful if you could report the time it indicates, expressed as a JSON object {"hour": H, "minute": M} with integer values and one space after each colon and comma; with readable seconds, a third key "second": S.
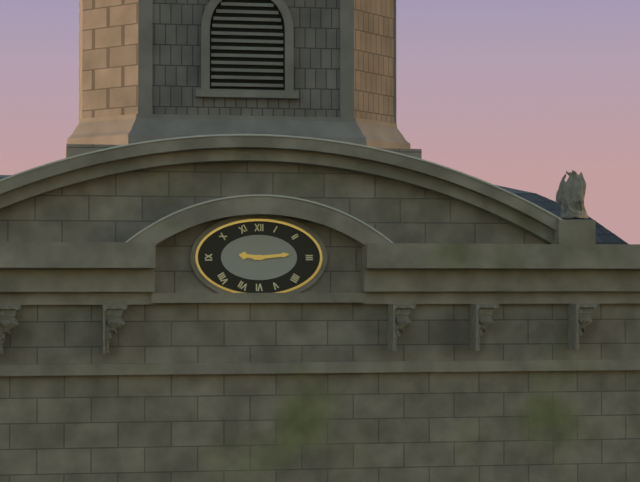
{"hour": 9, "minute": 14}
